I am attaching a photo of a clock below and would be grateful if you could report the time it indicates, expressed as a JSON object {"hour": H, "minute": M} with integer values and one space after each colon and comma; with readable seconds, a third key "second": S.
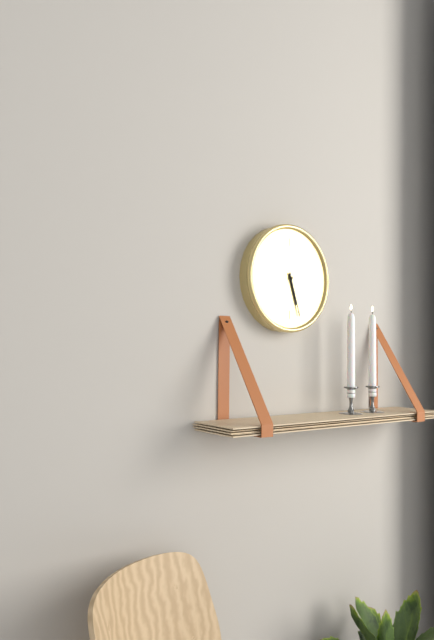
{"hour": 5, "minute": 27}
